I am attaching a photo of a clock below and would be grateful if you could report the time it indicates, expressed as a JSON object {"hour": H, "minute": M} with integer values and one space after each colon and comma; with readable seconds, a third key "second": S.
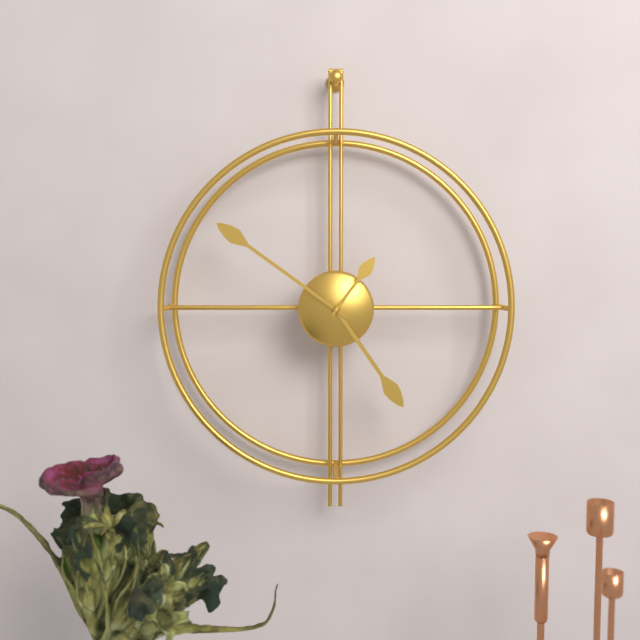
{"hour": 4, "minute": 51, "second": 6}
